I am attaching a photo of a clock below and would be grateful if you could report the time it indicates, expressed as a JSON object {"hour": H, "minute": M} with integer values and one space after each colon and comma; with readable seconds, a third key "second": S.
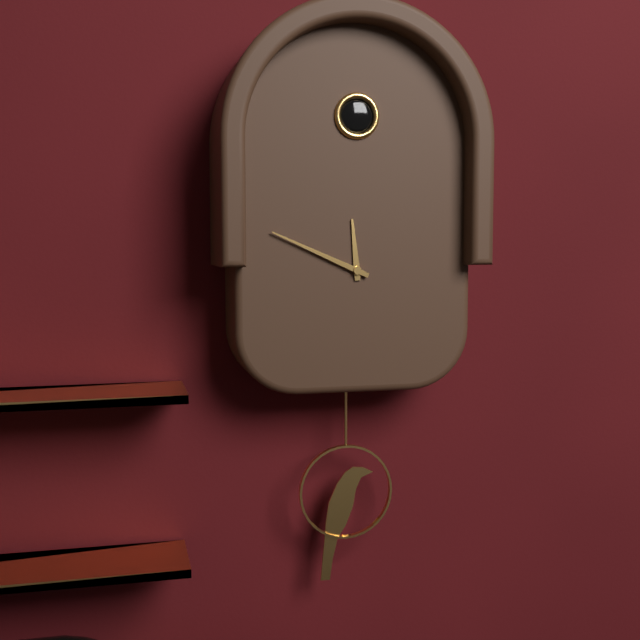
{"hour": 11, "minute": 49}
